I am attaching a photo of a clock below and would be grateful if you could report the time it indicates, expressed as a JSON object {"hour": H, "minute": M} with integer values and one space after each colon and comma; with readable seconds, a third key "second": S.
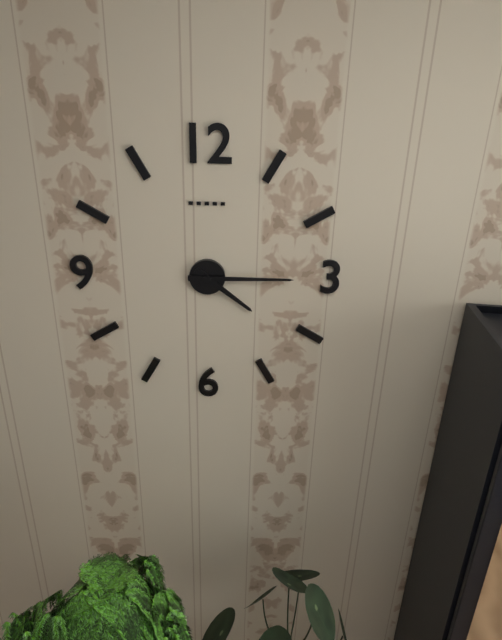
{"hour": 4, "minute": 15}
